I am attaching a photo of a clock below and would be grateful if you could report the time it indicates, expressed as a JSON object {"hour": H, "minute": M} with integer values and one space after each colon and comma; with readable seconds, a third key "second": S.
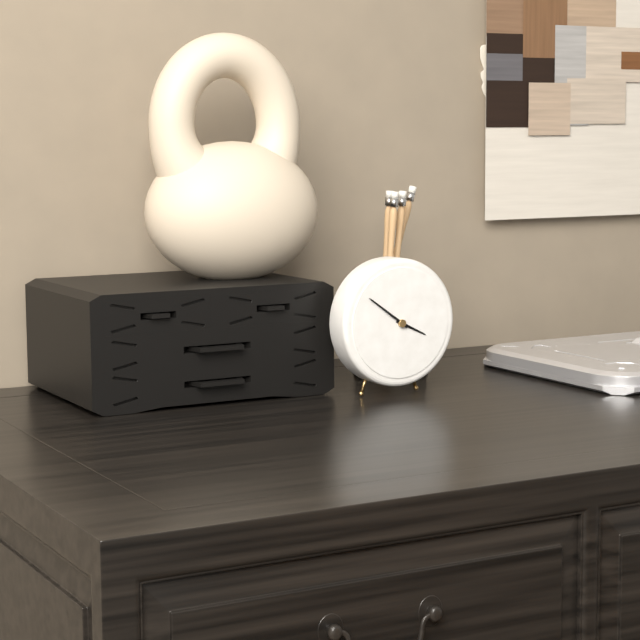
{"hour": 3, "minute": 51}
